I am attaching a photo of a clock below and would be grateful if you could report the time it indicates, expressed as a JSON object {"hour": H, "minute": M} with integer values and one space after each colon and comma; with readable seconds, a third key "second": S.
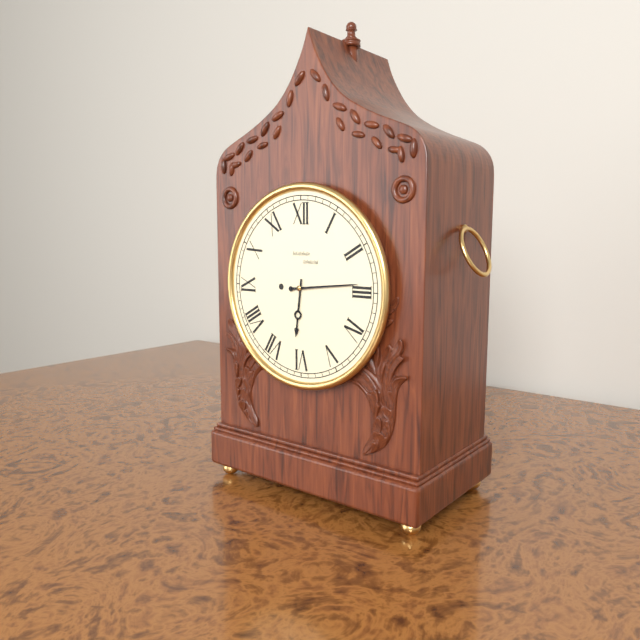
{"hour": 6, "minute": 14}
